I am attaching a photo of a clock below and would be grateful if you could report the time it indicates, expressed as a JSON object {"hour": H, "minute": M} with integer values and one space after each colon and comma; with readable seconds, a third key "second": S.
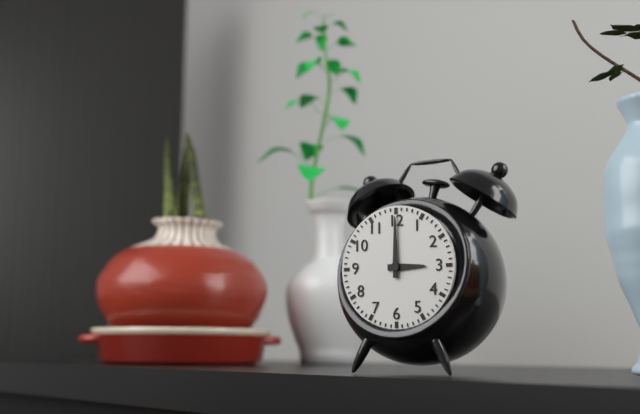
{"hour": 3, "minute": 0}
